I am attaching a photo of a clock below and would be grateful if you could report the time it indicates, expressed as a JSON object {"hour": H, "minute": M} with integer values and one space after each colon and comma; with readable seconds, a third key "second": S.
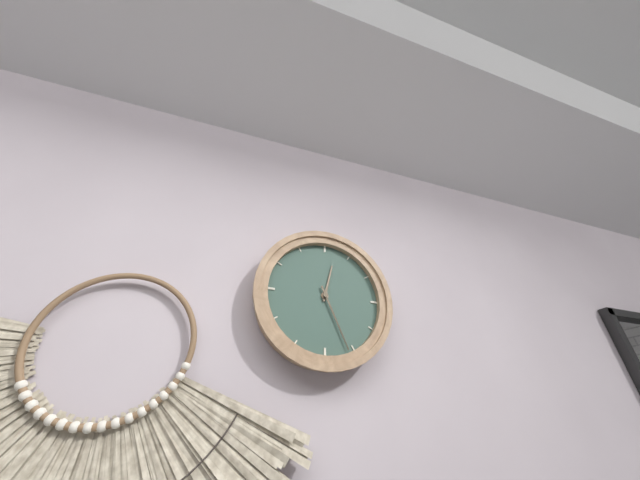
{"hour": 12, "minute": 26}
